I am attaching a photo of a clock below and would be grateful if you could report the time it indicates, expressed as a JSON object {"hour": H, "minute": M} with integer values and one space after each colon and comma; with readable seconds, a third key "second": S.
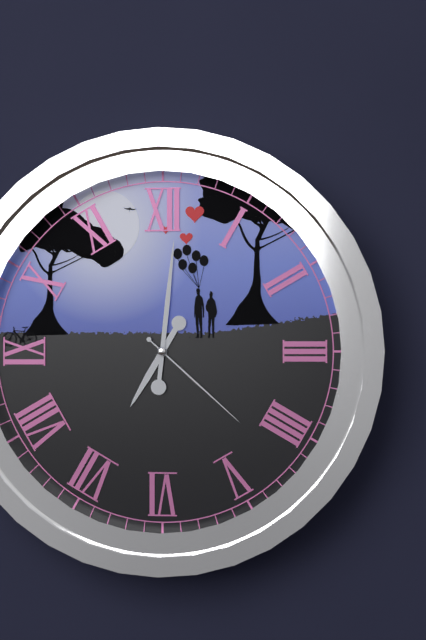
{"hour": 7, "minute": 1, "second": 22}
